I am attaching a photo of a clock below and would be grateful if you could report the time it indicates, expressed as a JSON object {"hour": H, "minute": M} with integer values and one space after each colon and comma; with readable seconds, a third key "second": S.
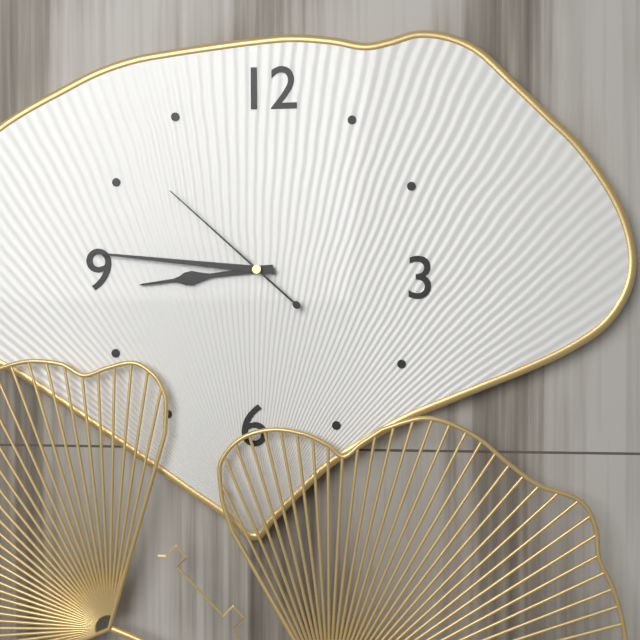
{"hour": 8, "minute": 46, "second": 52}
